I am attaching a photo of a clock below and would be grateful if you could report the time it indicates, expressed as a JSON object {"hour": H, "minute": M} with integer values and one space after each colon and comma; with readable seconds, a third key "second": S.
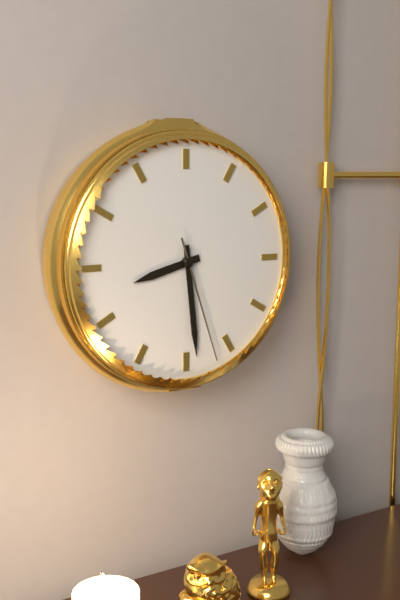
{"hour": 8, "minute": 29, "second": 27}
